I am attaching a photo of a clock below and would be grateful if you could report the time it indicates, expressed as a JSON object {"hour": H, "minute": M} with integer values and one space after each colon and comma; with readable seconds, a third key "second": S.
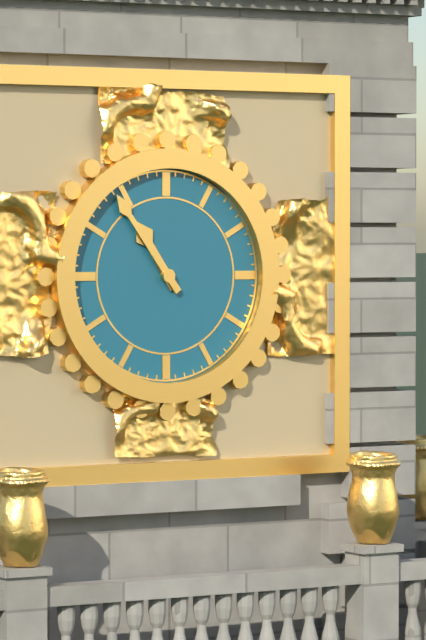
{"hour": 10, "minute": 54}
